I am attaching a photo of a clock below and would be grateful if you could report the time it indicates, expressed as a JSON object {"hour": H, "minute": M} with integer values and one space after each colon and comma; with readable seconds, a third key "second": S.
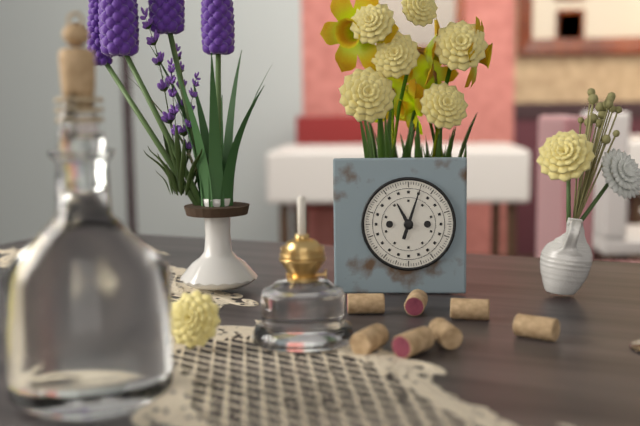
{"hour": 11, "minute": 3}
